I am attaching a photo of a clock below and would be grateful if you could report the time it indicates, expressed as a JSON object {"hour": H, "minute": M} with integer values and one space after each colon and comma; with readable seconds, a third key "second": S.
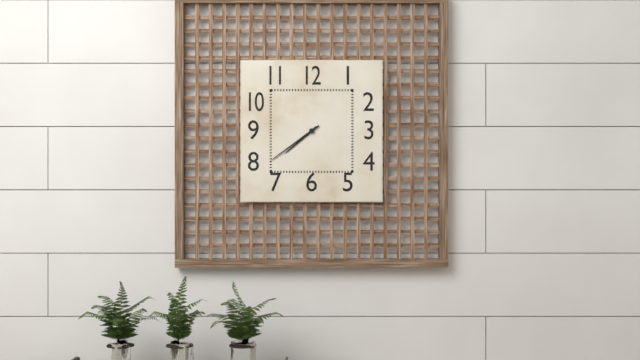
{"hour": 7, "minute": 39}
